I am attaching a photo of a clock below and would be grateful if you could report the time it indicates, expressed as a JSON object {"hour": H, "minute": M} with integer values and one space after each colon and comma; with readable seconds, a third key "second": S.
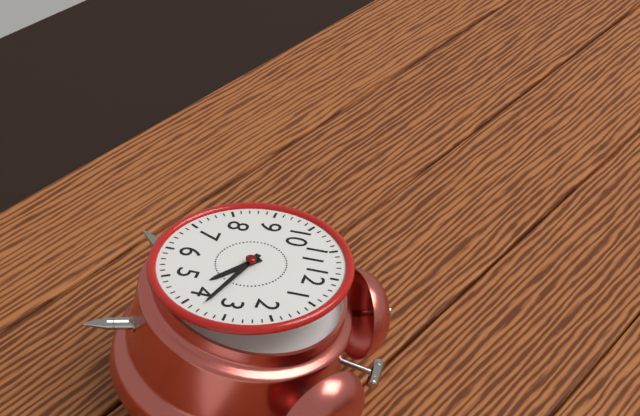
{"hour": 4, "minute": 18}
